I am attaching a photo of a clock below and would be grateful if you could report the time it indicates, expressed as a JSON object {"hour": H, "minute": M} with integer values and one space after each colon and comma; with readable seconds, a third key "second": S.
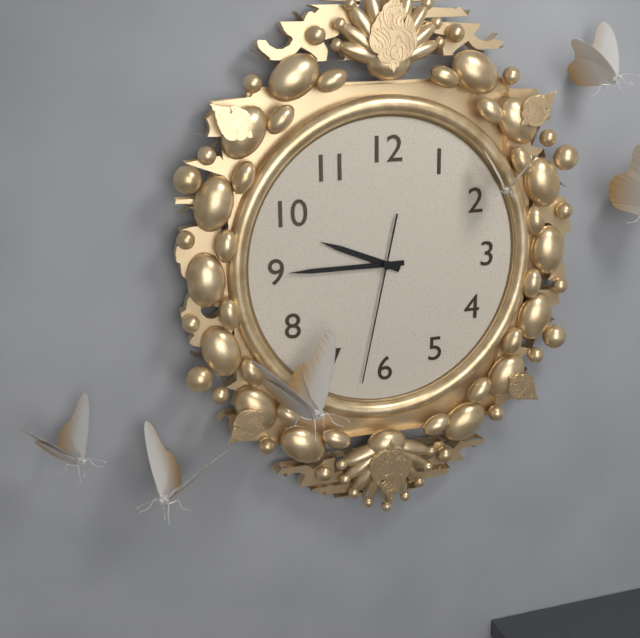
{"hour": 9, "minute": 45, "second": 32}
